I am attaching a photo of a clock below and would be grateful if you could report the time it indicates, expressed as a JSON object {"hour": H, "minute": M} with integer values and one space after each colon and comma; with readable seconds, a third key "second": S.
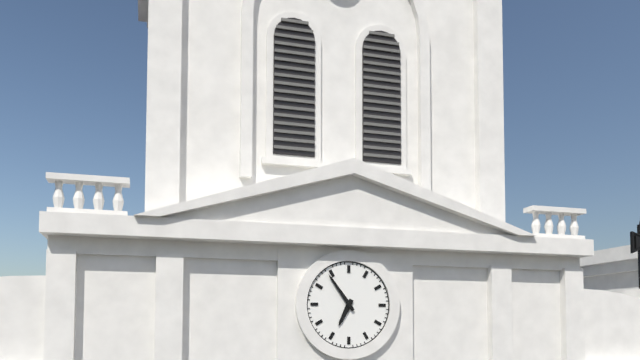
{"hour": 6, "minute": 54}
